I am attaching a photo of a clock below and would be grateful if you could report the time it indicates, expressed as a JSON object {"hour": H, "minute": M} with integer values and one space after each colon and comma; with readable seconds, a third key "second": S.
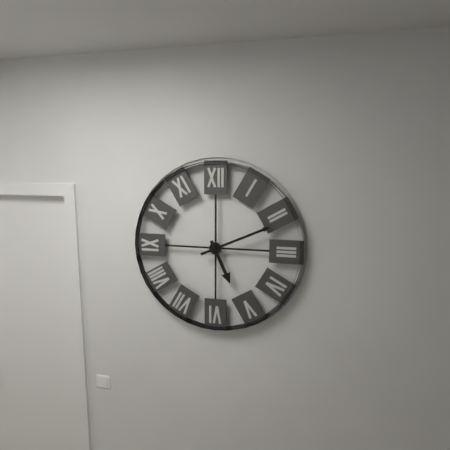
{"hour": 5, "minute": 11}
